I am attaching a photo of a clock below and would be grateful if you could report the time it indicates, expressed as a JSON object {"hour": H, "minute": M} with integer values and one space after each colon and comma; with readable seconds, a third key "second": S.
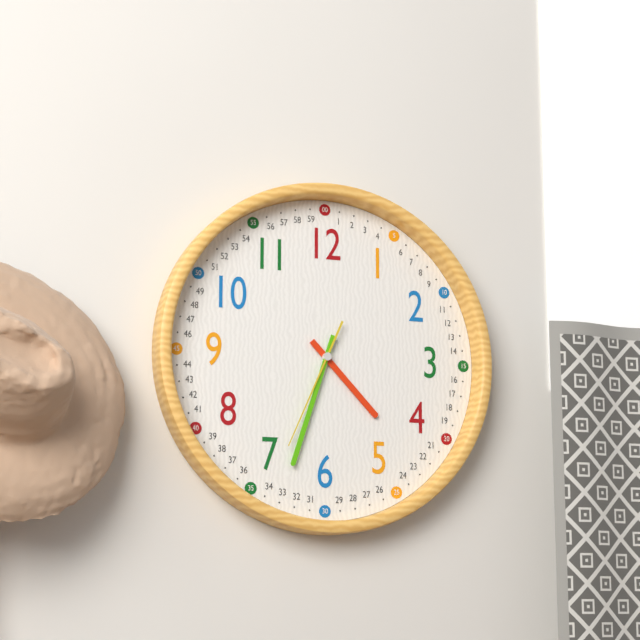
{"hour": 4, "minute": 33, "second": 34}
